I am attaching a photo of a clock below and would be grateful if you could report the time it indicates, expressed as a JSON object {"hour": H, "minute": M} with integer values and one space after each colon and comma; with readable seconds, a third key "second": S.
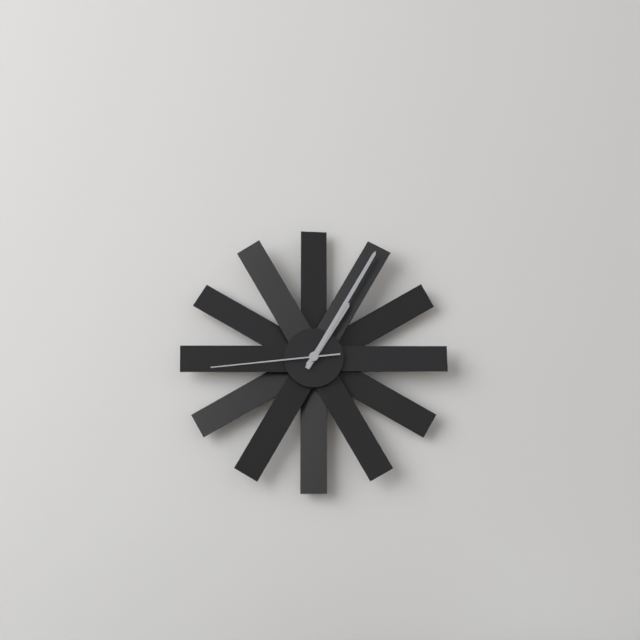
{"hour": 1, "minute": 5, "second": 44}
